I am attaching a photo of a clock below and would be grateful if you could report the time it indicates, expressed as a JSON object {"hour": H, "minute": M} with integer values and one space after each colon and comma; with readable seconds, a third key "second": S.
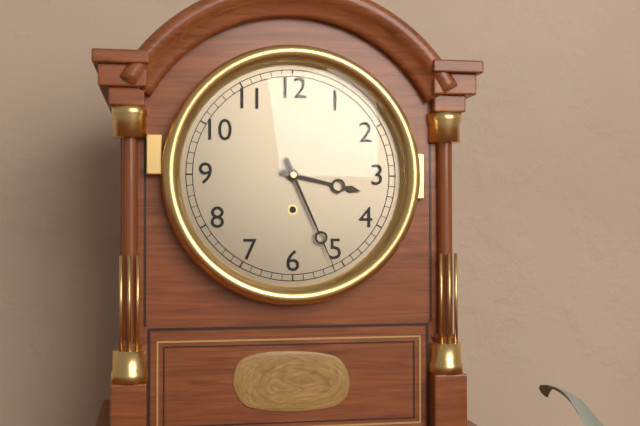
{"hour": 3, "minute": 26}
